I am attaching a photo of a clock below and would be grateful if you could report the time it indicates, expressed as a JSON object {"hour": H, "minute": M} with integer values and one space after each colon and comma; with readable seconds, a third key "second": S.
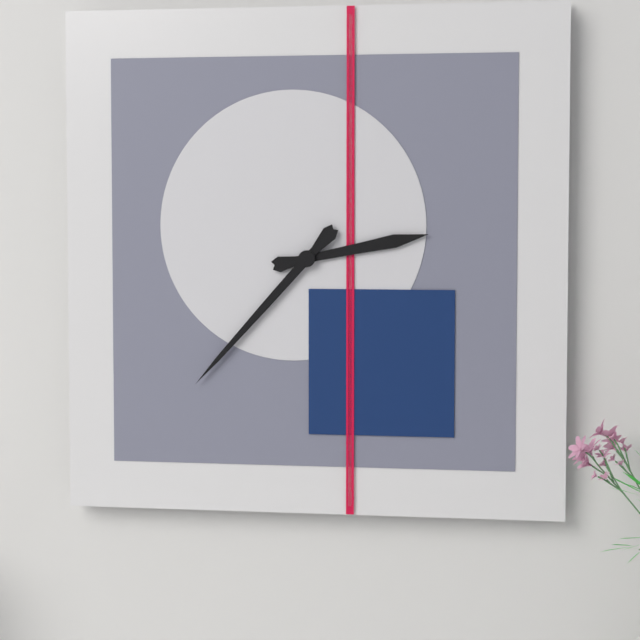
{"hour": 2, "minute": 37}
